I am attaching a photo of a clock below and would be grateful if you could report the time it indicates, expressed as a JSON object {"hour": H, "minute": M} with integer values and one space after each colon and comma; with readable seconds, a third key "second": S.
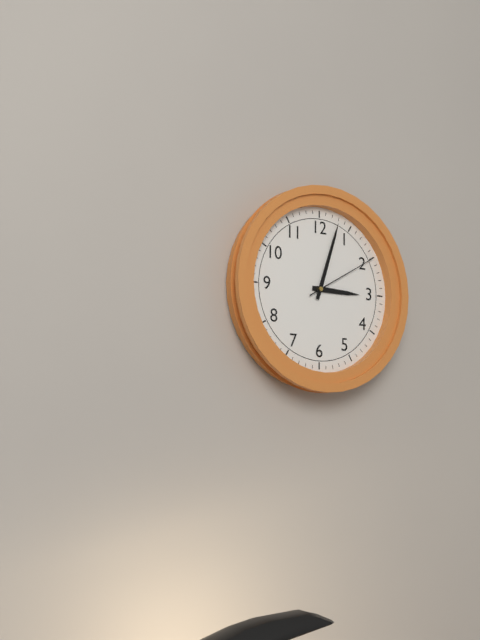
{"hour": 3, "minute": 3, "second": 10}
